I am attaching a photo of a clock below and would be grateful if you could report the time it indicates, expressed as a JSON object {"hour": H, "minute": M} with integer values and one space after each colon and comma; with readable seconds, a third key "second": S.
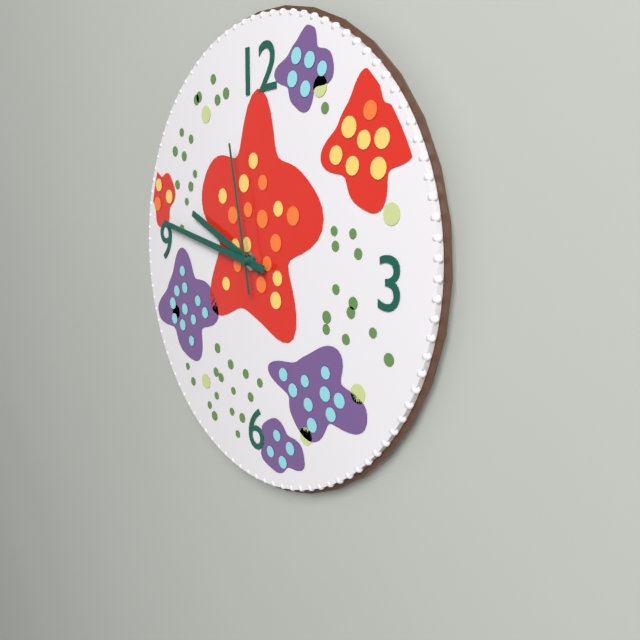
{"hour": 9, "minute": 47, "second": 58}
